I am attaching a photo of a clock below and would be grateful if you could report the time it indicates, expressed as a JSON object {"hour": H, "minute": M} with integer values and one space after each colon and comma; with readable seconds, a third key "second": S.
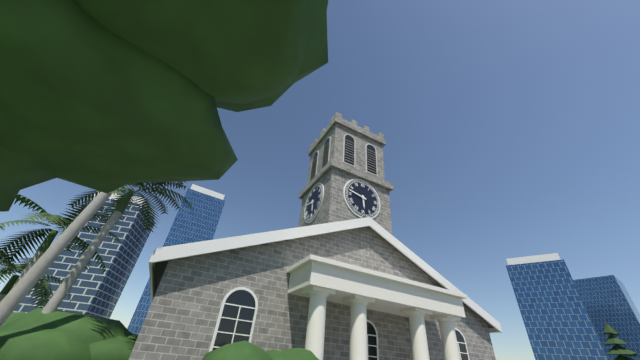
{"hour": 5, "minute": 47}
